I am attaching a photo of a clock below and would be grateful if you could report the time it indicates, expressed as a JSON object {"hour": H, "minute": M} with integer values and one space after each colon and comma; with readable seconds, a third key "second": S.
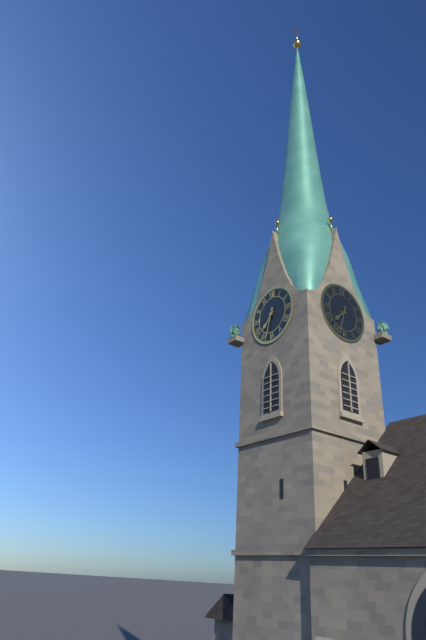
{"hour": 7, "minute": 33}
